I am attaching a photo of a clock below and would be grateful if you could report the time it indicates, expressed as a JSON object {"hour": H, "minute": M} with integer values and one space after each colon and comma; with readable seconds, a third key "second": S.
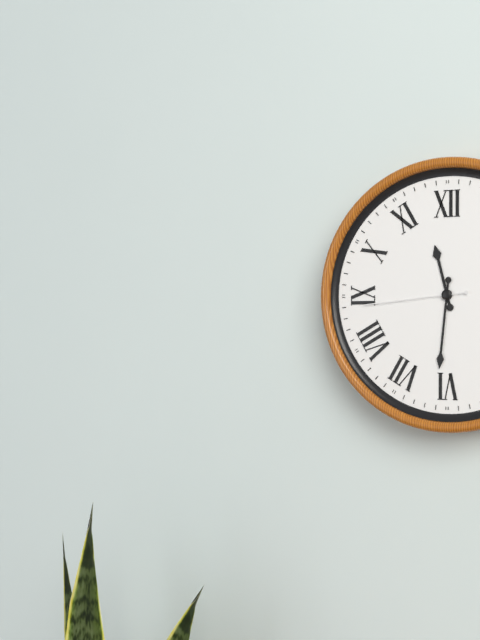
{"hour": 11, "minute": 31, "second": 44}
